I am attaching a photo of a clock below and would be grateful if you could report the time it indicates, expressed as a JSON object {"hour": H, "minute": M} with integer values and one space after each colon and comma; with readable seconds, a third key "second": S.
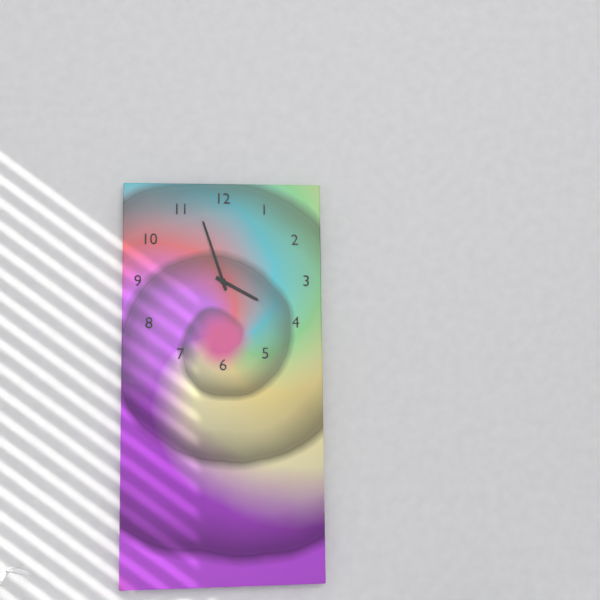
{"hour": 3, "minute": 57}
